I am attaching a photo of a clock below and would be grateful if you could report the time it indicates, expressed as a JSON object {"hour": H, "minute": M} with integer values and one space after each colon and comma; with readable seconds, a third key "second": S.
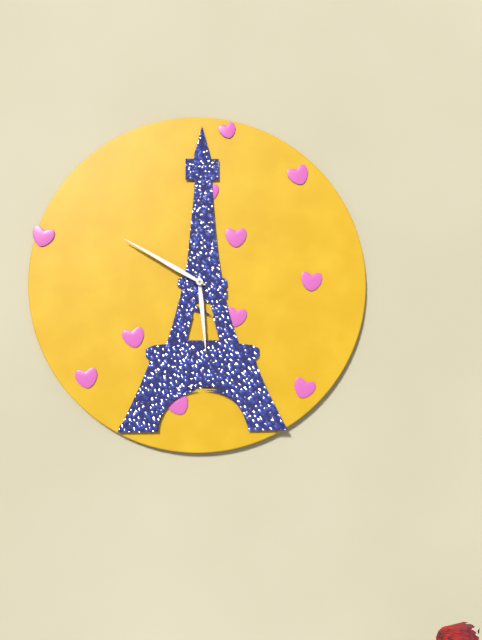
{"hour": 5, "minute": 50}
